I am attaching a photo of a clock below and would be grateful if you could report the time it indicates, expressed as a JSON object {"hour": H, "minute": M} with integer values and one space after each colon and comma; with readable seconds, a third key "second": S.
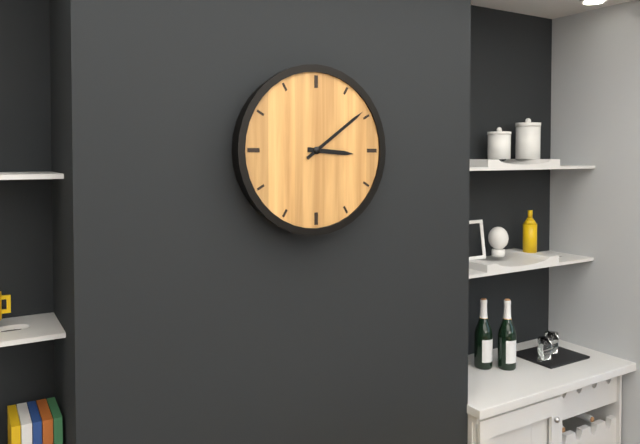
{"hour": 3, "minute": 9}
